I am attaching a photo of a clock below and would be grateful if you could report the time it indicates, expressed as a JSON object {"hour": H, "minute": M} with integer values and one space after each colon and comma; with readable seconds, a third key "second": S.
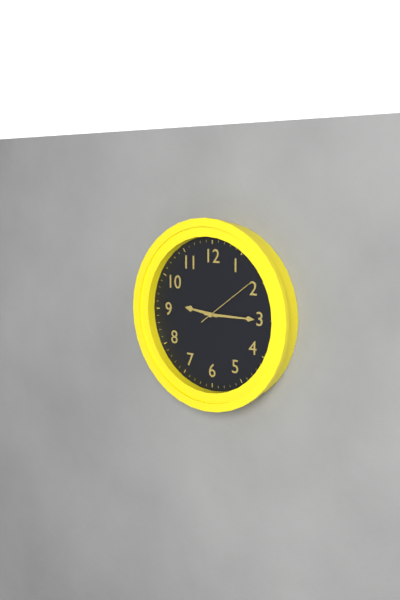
{"hour": 9, "minute": 15, "second": 9}
